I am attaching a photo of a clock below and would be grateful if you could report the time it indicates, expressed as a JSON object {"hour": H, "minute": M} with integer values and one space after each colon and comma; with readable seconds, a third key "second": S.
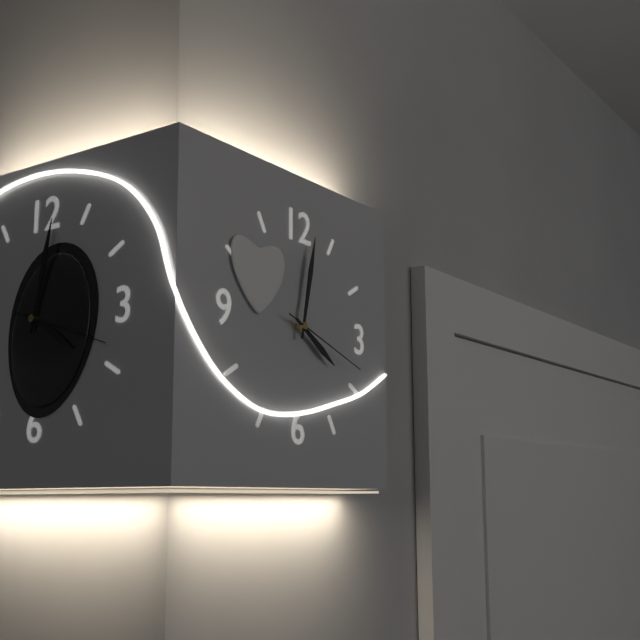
{"hour": 4, "minute": 2, "second": 18}
